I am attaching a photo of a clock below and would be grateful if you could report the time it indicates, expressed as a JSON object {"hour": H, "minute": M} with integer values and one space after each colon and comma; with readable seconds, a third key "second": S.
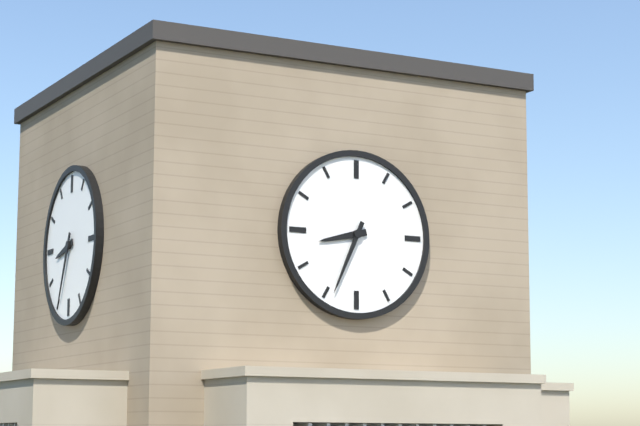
{"hour": 8, "minute": 34}
